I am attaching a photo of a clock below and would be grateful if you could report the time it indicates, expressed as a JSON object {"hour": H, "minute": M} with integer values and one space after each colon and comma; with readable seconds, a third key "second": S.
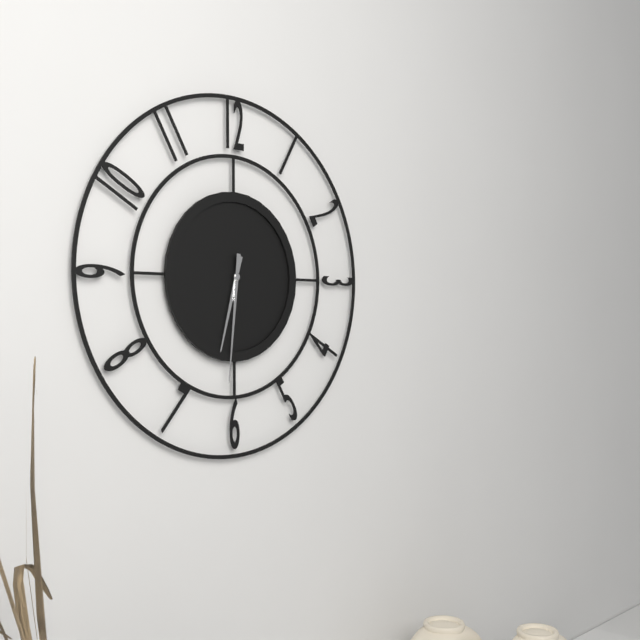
{"hour": 6, "minute": 31}
